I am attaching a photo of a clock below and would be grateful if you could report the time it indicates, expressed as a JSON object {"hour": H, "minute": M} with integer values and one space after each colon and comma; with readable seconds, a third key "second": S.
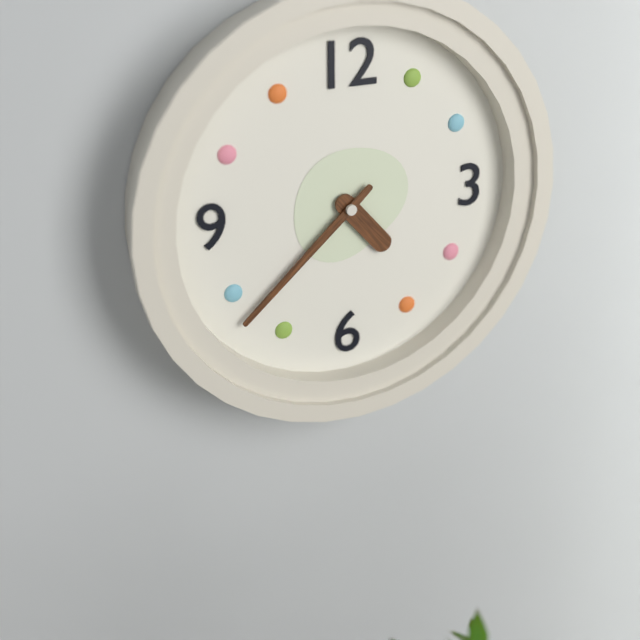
{"hour": 4, "minute": 38}
